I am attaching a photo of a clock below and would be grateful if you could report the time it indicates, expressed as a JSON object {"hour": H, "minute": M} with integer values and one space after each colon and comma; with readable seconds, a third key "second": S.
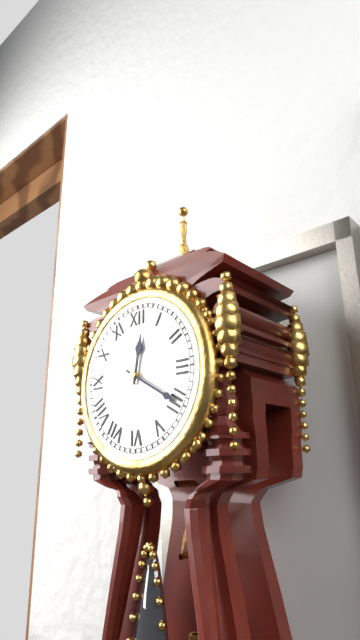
{"hour": 12, "minute": 20}
